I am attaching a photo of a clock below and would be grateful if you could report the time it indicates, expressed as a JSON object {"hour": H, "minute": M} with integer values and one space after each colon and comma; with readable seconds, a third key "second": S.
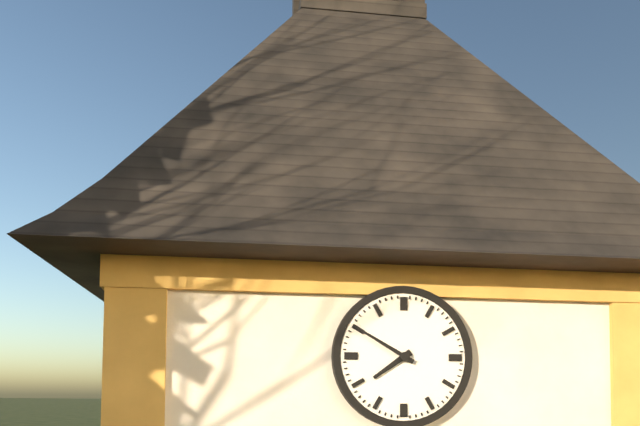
{"hour": 7, "minute": 50}
